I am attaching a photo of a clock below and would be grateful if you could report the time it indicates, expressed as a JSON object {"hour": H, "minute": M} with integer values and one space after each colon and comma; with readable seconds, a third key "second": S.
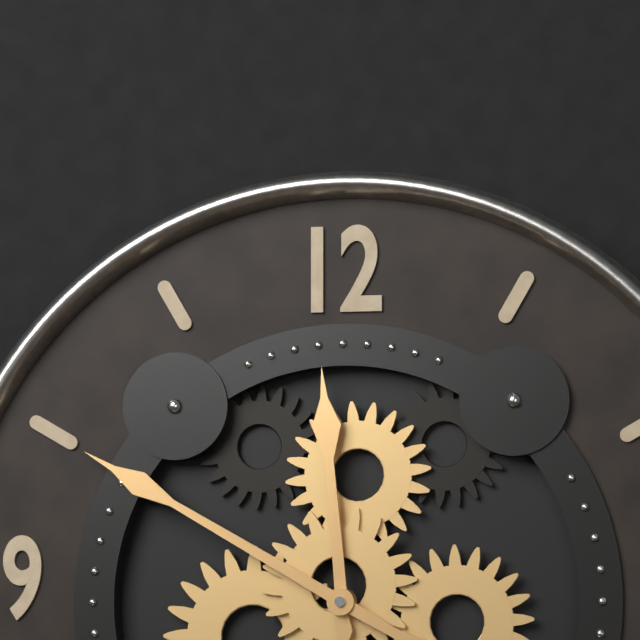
{"hour": 11, "minute": 50}
